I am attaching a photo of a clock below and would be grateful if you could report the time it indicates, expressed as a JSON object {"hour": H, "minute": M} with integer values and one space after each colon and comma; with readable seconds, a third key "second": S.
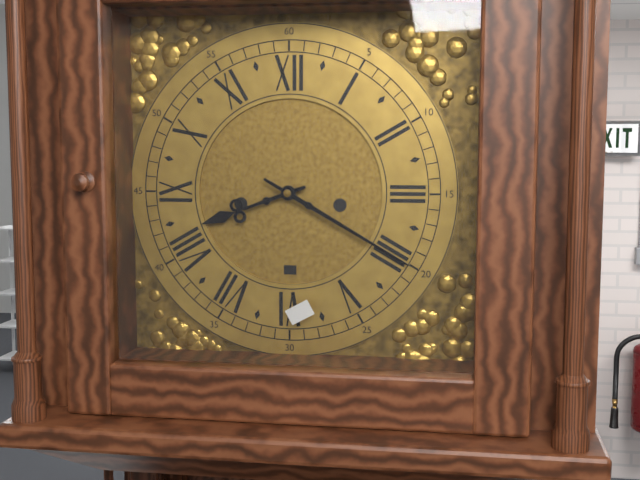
{"hour": 8, "minute": 20}
